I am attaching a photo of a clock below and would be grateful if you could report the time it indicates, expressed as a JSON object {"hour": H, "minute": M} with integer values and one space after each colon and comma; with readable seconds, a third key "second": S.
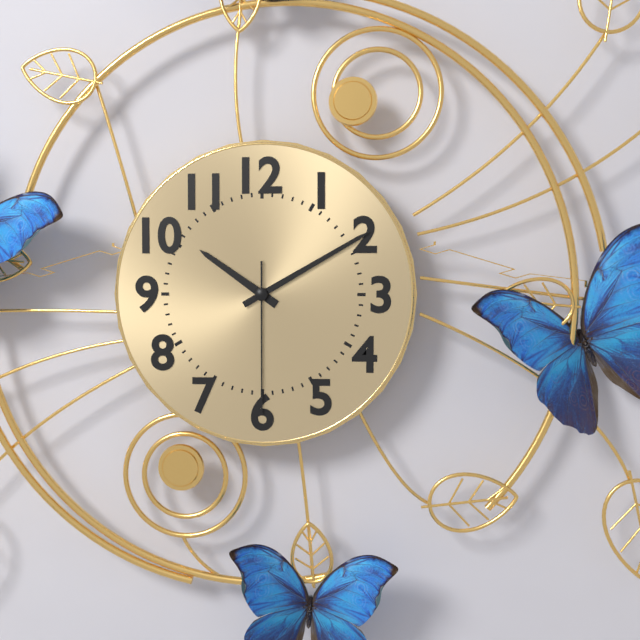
{"hour": 10, "minute": 10, "second": 30}
